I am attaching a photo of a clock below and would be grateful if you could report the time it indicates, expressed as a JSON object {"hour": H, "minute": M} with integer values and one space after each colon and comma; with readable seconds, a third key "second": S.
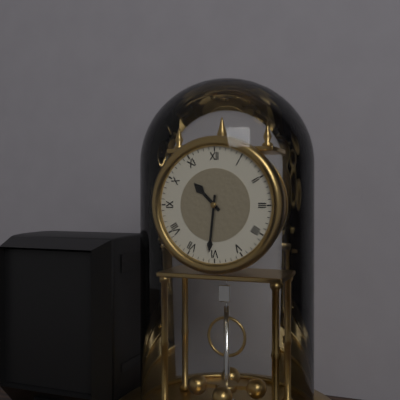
{"hour": 10, "minute": 31}
